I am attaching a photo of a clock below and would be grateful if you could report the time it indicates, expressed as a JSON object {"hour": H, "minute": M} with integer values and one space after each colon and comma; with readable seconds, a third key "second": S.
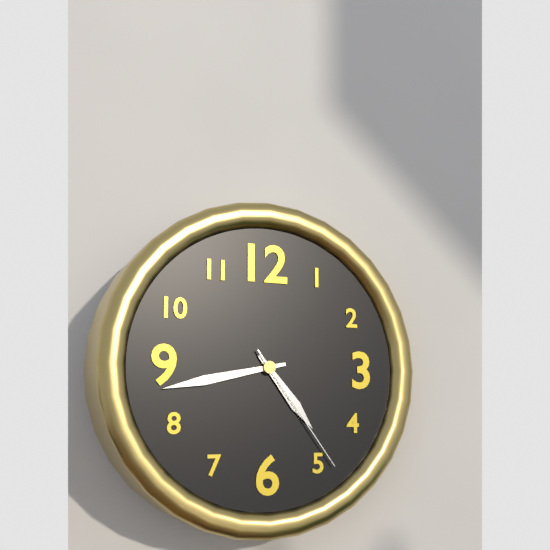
{"hour": 4, "minute": 43, "second": 24}
